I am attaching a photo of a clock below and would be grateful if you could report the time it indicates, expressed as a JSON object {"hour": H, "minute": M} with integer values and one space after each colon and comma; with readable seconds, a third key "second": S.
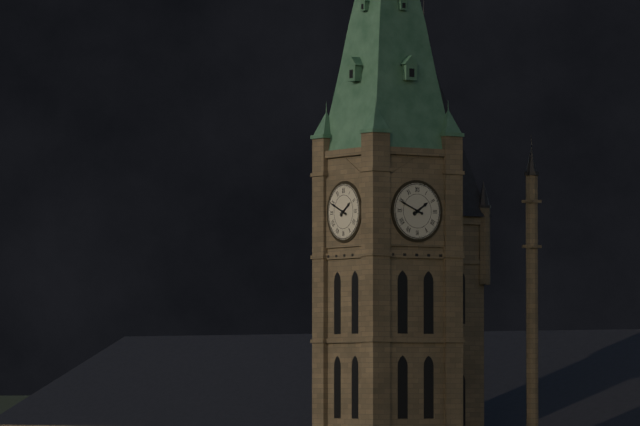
{"hour": 1, "minute": 49}
